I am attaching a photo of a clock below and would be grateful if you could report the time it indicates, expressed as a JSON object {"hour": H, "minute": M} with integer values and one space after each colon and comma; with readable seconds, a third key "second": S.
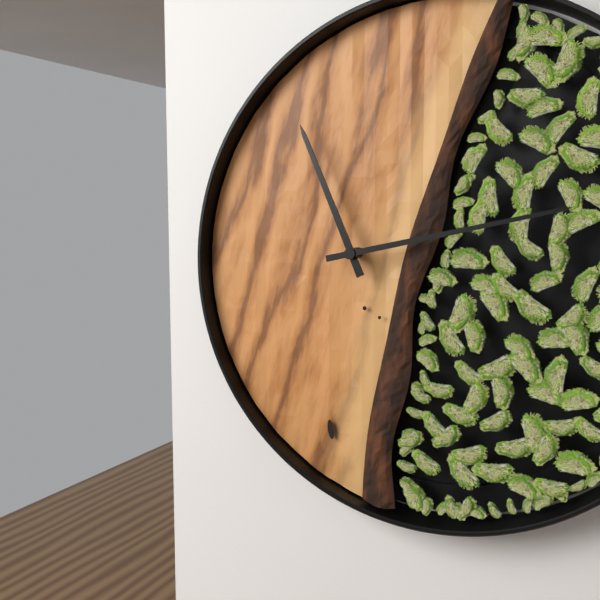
{"hour": 11, "minute": 13}
